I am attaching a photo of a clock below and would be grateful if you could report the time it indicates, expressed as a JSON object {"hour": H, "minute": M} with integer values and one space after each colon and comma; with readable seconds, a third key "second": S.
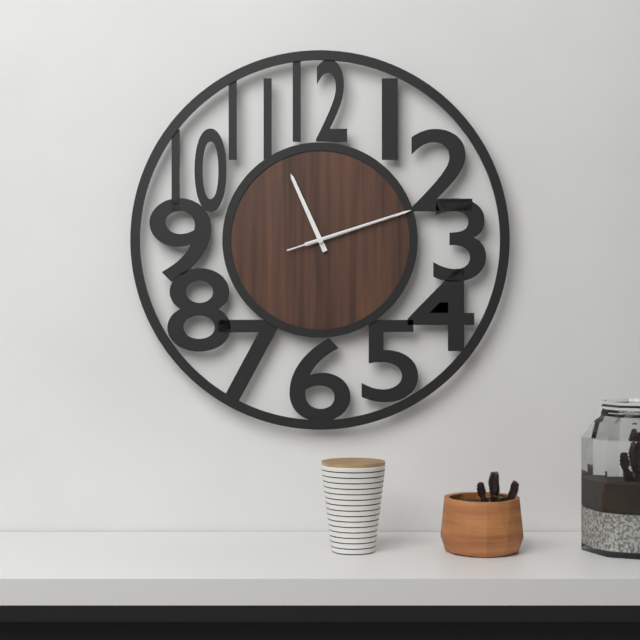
{"hour": 11, "minute": 12, "second": 12}
